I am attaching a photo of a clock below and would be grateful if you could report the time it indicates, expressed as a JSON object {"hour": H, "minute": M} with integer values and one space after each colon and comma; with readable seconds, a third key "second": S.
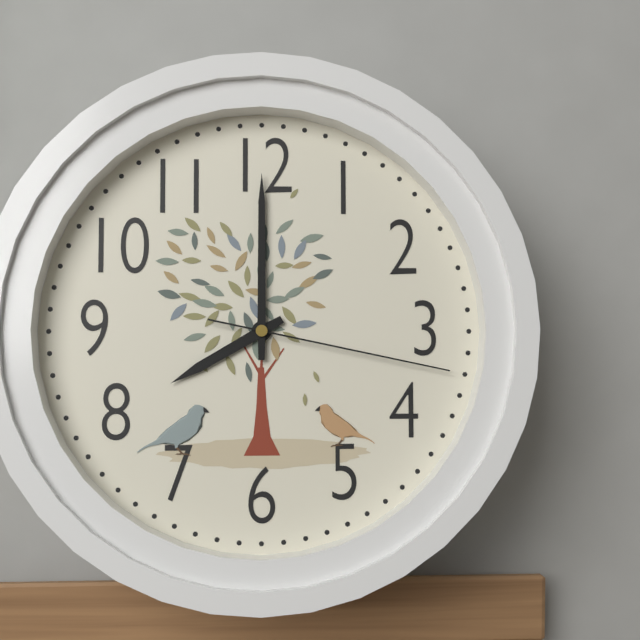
{"hour": 8, "minute": 0, "second": 17}
